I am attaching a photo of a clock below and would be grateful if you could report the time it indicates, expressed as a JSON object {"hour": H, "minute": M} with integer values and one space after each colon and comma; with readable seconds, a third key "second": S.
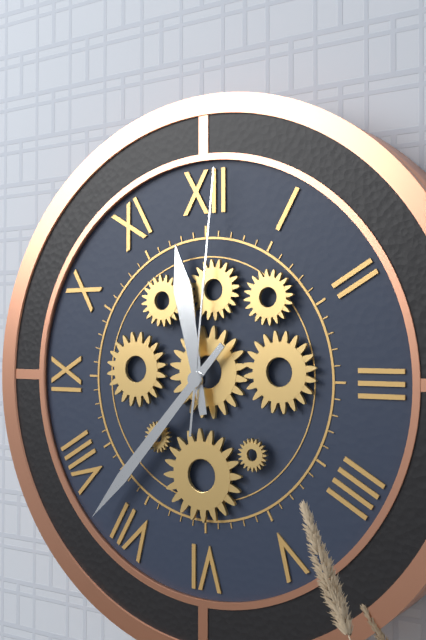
{"hour": 11, "minute": 37, "second": 1}
